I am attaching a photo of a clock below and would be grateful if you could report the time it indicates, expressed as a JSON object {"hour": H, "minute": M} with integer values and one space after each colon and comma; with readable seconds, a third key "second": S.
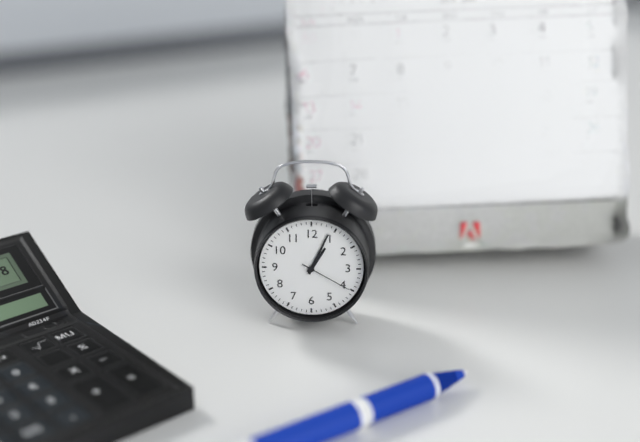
{"hour": 1, "minute": 4, "second": 20}
